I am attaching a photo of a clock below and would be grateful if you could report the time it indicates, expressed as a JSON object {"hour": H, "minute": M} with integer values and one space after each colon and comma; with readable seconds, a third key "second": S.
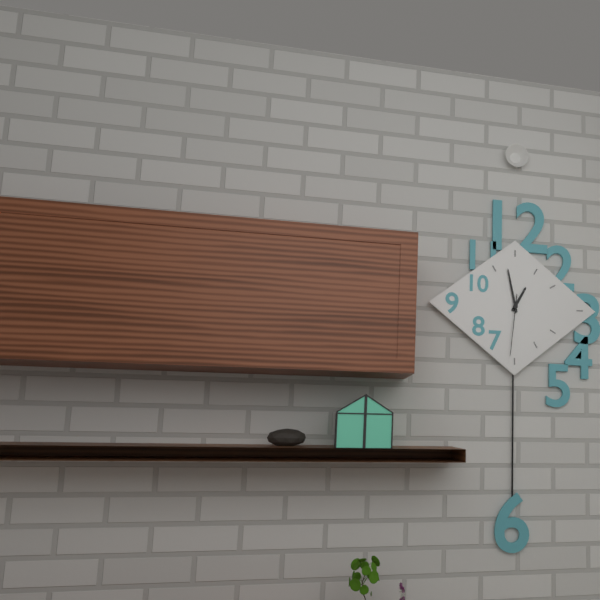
{"hour": 12, "minute": 58, "second": 31}
